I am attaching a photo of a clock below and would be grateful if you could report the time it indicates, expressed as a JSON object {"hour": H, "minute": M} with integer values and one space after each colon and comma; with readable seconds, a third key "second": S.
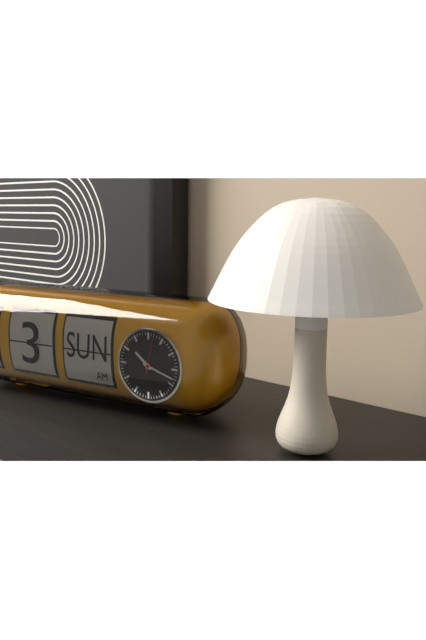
{"hour": 10, "minute": 18}
